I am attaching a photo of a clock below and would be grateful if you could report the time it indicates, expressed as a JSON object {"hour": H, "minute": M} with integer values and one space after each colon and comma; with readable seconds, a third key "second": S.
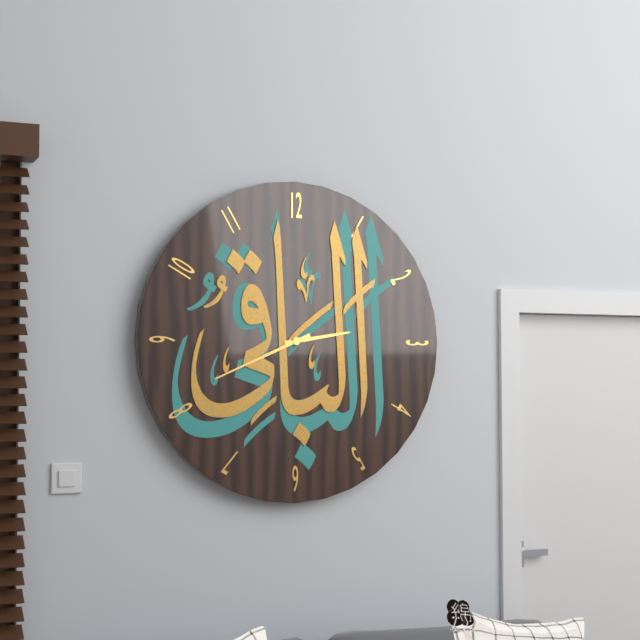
{"hour": 2, "minute": 41}
